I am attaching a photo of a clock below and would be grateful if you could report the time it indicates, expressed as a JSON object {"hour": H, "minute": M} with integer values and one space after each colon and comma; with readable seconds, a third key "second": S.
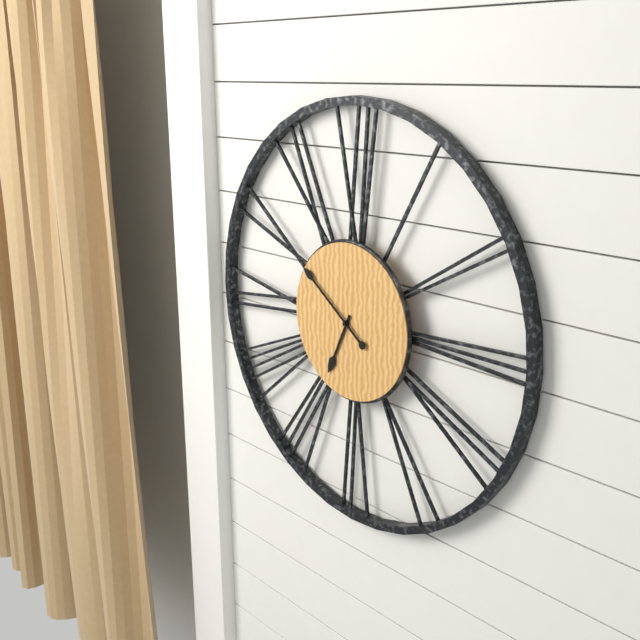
{"hour": 6, "minute": 51}
